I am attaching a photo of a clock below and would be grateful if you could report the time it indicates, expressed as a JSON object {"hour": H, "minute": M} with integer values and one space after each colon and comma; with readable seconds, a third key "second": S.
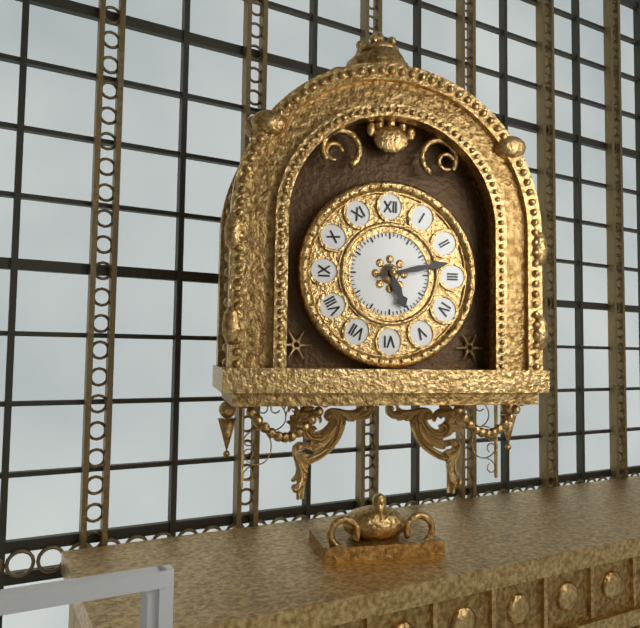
{"hour": 5, "minute": 13}
